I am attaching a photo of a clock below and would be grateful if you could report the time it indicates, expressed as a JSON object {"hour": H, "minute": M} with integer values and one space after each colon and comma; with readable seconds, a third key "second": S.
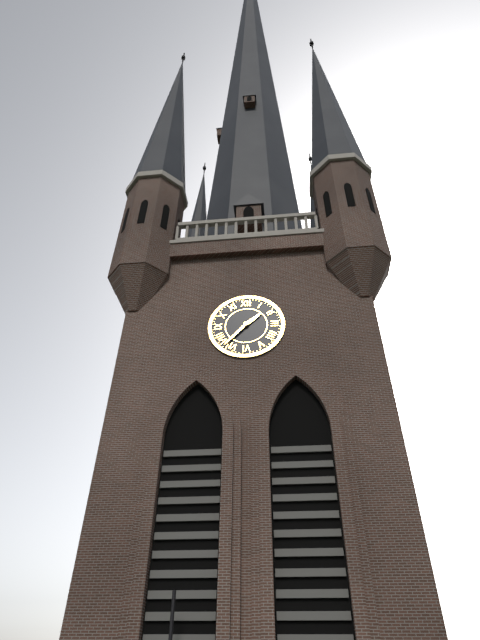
{"hour": 1, "minute": 37}
